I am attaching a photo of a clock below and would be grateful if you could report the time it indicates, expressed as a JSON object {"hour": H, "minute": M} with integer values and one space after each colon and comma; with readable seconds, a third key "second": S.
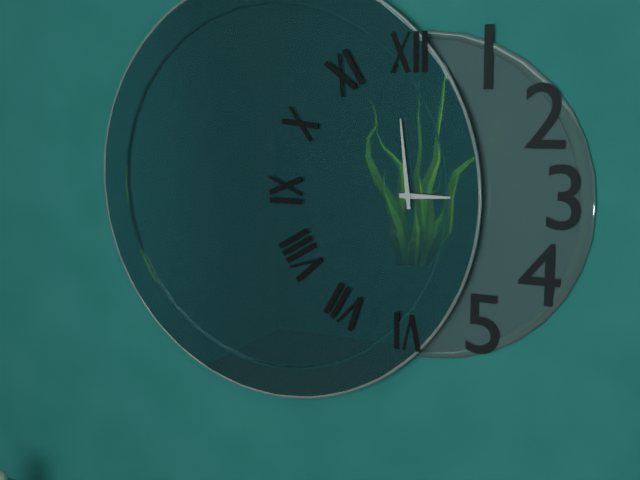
{"hour": 2, "minute": 59}
